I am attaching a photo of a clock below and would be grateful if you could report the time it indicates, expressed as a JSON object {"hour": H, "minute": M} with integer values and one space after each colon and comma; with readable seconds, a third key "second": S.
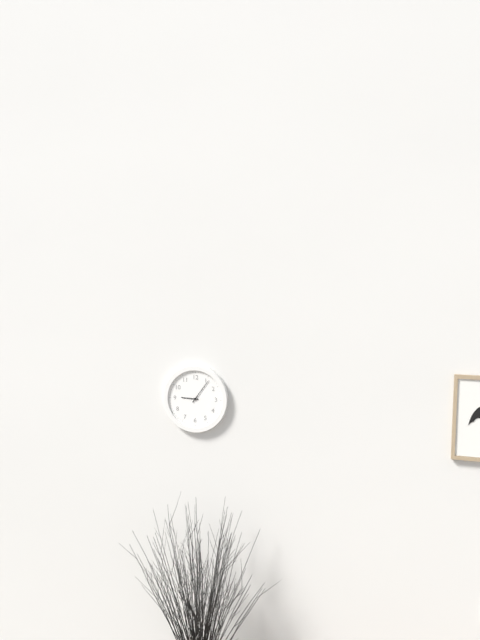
{"hour": 9, "minute": 6}
